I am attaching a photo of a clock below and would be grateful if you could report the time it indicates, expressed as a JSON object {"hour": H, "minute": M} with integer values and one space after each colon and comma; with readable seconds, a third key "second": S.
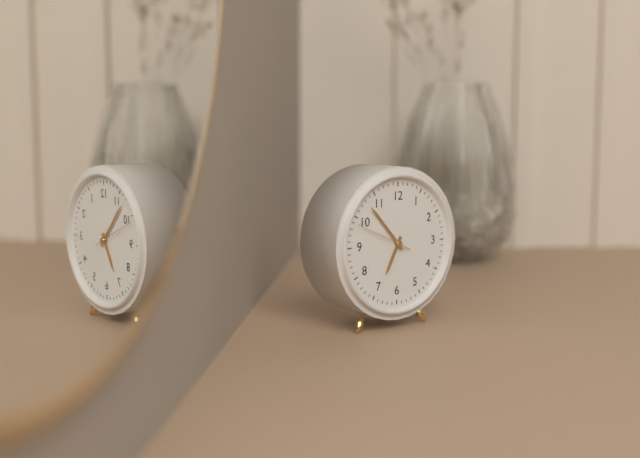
{"hour": 6, "minute": 53, "second": 49}
